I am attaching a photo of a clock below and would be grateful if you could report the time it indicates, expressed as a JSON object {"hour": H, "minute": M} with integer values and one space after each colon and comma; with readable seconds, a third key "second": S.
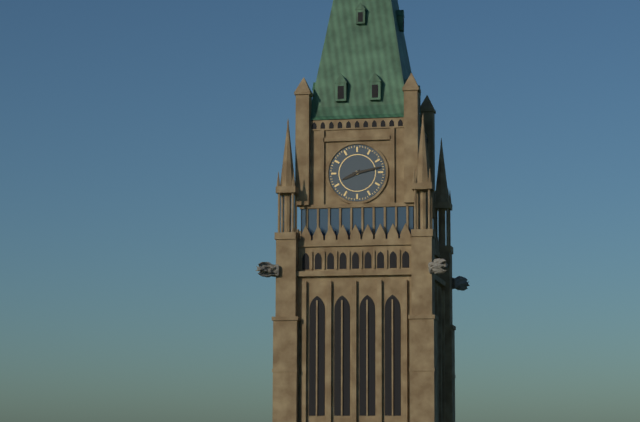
{"hour": 8, "minute": 13}
